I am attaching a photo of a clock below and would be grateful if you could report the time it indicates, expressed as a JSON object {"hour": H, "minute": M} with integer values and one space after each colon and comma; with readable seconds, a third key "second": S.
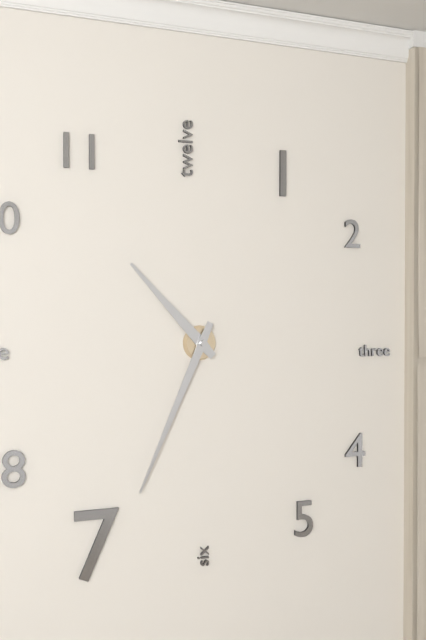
{"hour": 10, "minute": 34}
